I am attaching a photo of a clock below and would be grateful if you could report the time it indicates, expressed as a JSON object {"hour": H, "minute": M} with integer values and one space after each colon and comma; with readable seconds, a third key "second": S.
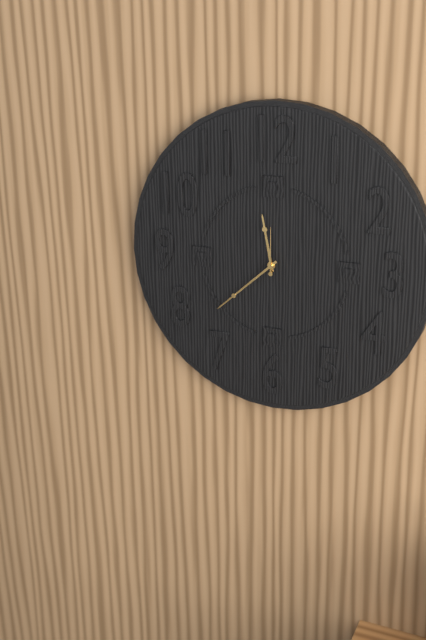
{"hour": 11, "minute": 38}
